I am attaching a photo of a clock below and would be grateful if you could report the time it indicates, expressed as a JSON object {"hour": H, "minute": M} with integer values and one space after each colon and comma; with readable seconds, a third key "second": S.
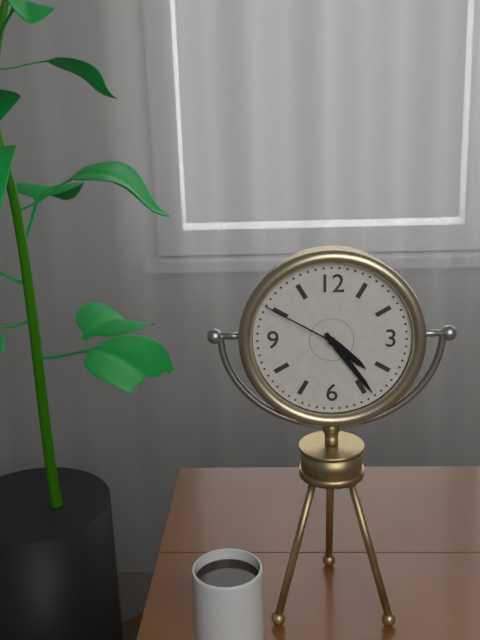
{"hour": 4, "minute": 24, "second": 50}
